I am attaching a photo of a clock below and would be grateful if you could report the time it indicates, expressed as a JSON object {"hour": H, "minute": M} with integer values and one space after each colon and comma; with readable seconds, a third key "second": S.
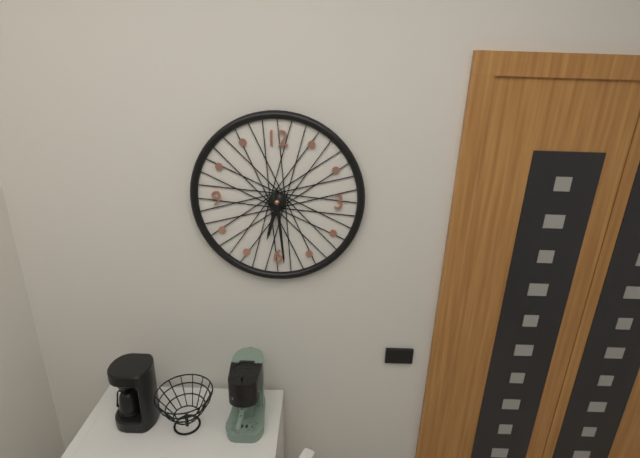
{"hour": 6, "minute": 29}
